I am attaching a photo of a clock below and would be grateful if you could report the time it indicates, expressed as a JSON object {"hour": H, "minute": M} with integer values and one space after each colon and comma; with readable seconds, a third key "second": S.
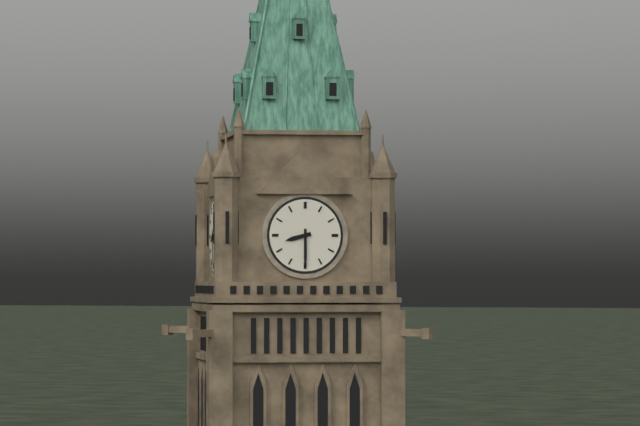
{"hour": 8, "minute": 30}
